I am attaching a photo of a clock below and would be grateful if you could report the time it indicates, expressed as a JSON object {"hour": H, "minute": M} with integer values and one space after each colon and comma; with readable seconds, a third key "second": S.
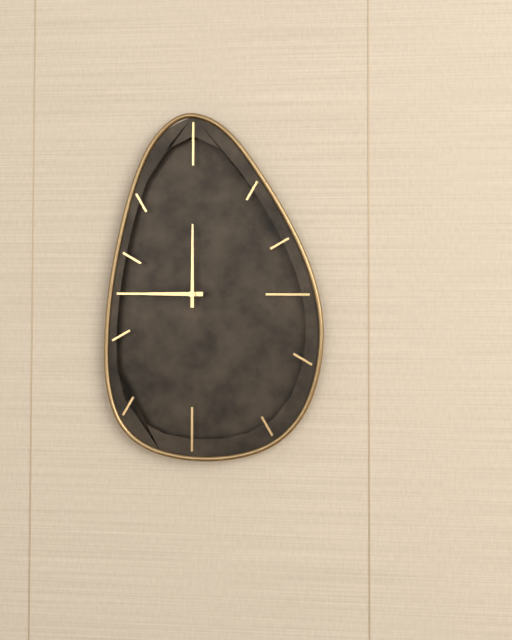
{"hour": 9, "minute": 0}
